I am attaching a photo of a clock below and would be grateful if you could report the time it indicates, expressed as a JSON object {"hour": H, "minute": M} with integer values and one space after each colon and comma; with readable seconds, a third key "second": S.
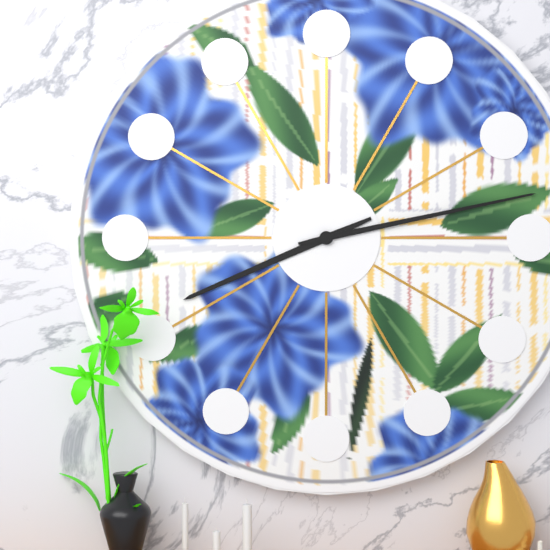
{"hour": 8, "minute": 13}
